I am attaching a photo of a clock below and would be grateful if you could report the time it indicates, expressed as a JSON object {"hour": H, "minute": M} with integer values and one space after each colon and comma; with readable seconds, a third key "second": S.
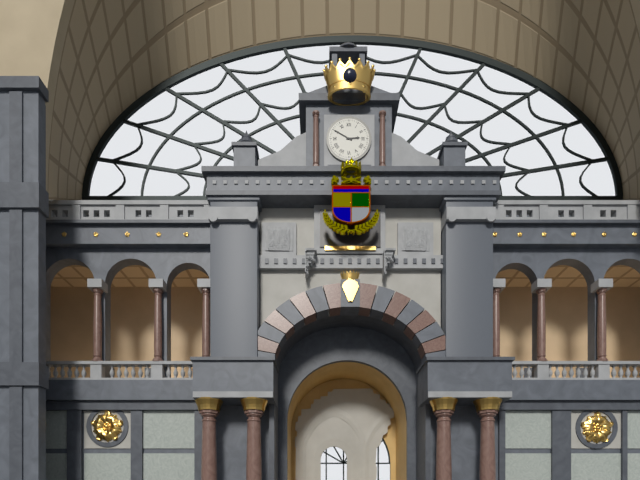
{"hour": 2, "minute": 50}
